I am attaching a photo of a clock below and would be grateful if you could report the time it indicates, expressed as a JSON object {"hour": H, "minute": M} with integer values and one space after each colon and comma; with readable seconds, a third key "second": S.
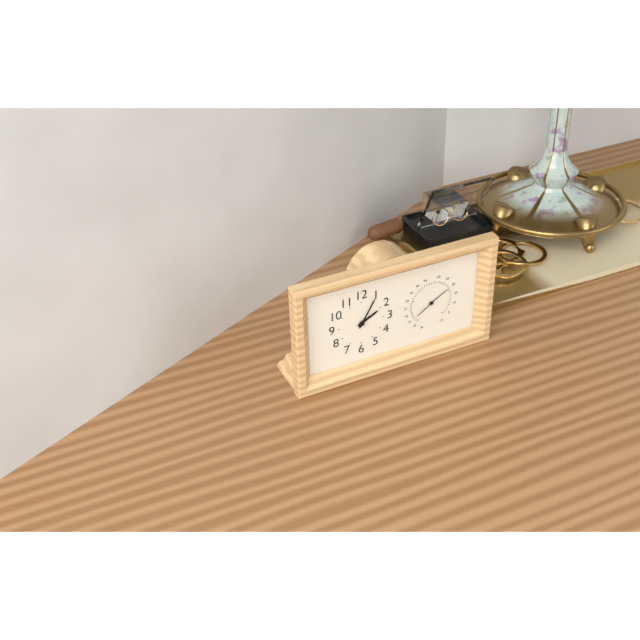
{"hour": 2, "minute": 5}
